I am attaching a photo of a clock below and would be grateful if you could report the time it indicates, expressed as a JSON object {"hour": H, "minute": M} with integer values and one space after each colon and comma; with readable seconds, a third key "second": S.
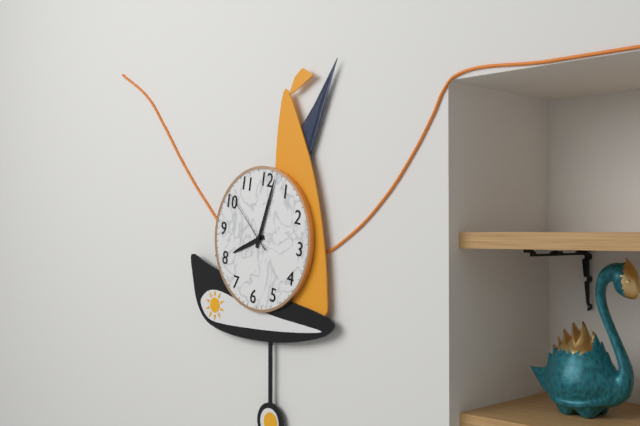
{"hour": 8, "minute": 2, "second": 51}
